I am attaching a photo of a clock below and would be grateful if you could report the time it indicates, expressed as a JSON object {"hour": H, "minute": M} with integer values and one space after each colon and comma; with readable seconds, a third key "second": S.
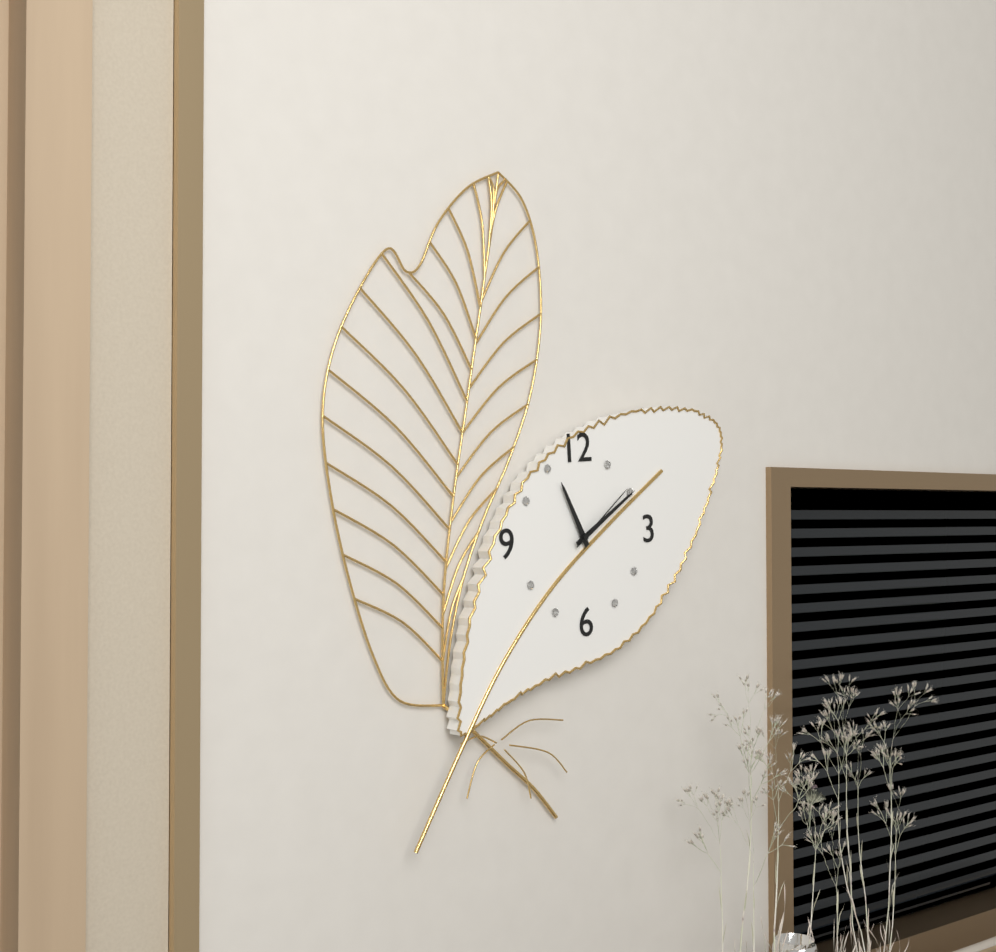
{"hour": 11, "minute": 10, "second": 9}
